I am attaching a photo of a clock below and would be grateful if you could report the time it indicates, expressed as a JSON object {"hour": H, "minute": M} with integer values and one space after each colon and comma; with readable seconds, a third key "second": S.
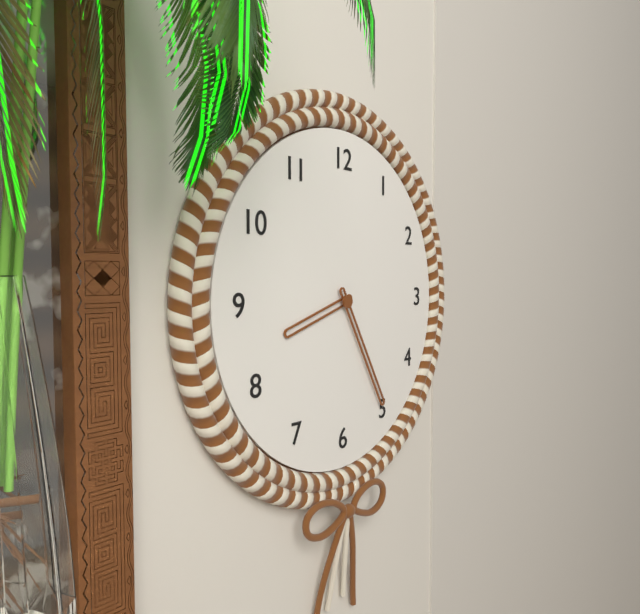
{"hour": 8, "minute": 25}
